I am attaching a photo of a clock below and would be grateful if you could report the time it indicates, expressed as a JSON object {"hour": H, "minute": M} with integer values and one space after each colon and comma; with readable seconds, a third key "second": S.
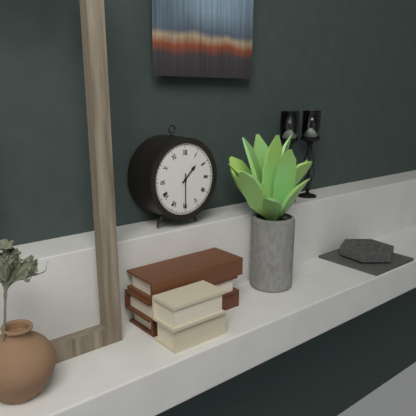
{"hour": 1, "minute": 30}
